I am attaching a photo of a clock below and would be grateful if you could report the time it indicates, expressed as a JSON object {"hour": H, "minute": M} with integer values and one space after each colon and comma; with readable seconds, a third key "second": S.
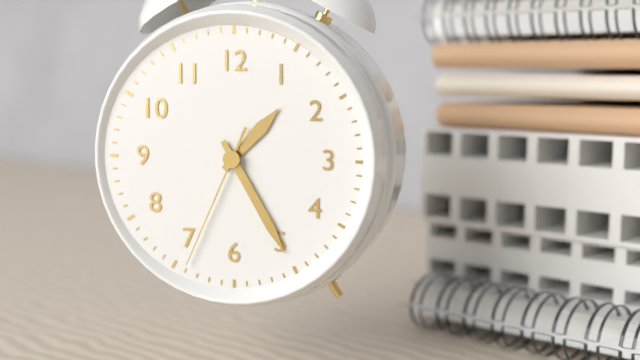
{"hour": 1, "minute": 25, "second": 34}
